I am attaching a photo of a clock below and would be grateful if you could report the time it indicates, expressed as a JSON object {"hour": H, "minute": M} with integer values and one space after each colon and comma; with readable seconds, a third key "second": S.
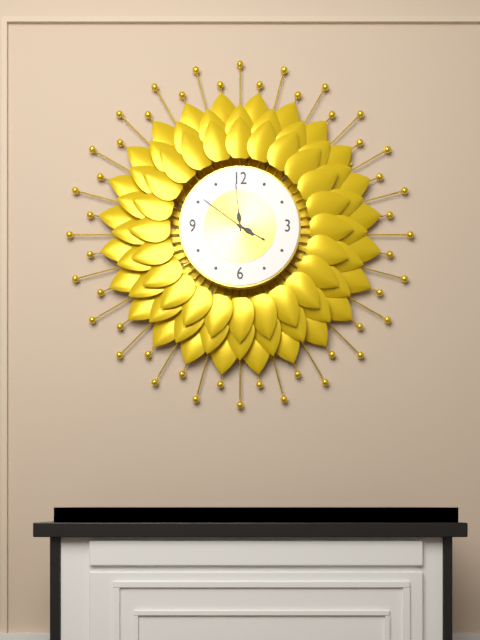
{"hour": 3, "minute": 59, "second": 51}
